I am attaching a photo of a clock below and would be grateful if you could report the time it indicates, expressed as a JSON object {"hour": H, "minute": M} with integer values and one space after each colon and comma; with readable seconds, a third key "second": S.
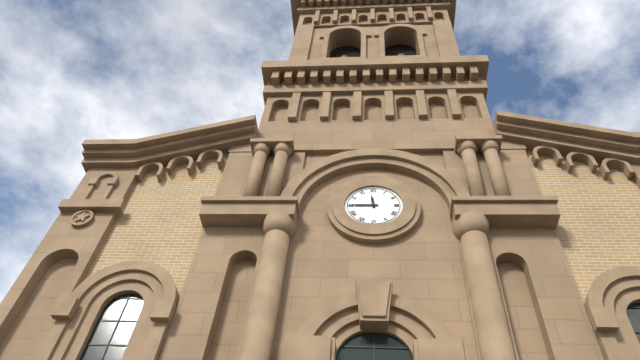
{"hour": 11, "minute": 45}
